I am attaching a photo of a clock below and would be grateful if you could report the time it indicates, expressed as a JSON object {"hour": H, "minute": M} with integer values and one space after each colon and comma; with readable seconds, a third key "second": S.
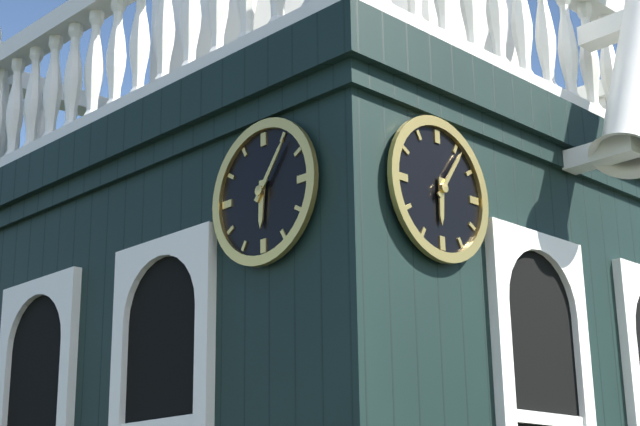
{"hour": 6, "minute": 6}
